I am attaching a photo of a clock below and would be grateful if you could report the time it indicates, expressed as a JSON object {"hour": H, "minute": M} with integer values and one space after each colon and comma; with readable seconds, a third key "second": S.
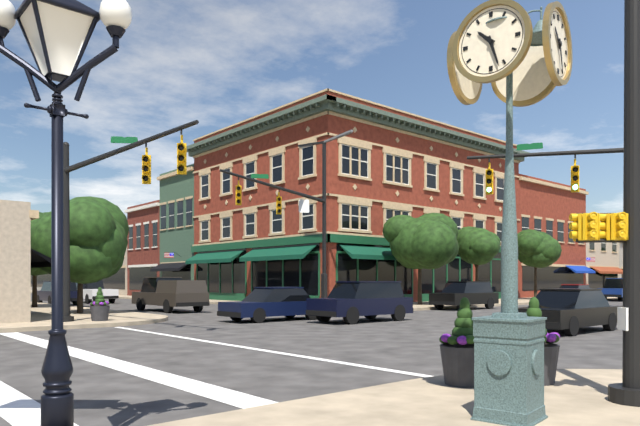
{"hour": 10, "minute": 27}
